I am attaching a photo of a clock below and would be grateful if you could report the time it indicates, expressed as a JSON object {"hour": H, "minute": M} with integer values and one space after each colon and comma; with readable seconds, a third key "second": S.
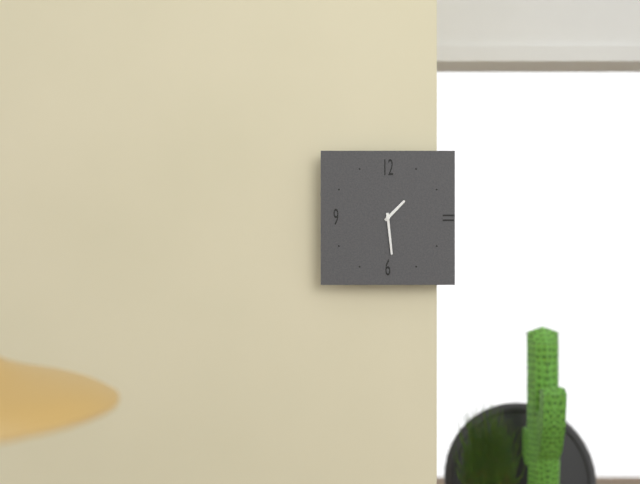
{"hour": 1, "minute": 29}
